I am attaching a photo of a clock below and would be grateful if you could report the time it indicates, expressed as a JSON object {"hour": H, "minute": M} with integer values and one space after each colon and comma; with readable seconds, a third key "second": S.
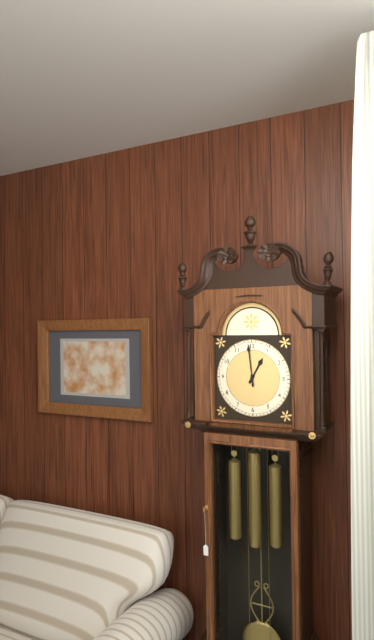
{"hour": 12, "minute": 59}
